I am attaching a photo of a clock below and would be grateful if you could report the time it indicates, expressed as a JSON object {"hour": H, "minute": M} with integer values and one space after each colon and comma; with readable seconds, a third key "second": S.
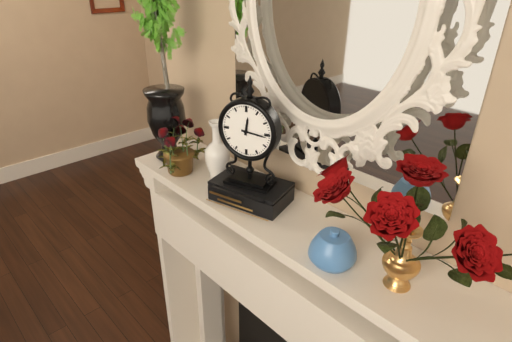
{"hour": 12, "minute": 16}
